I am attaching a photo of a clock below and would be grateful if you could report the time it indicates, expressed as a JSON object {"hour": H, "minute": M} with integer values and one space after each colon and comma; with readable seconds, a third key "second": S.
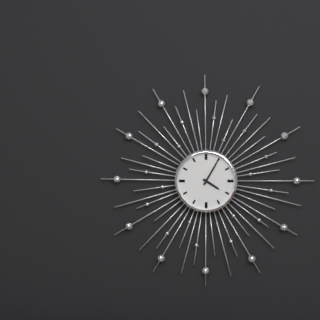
{"hour": 4, "minute": 5}
